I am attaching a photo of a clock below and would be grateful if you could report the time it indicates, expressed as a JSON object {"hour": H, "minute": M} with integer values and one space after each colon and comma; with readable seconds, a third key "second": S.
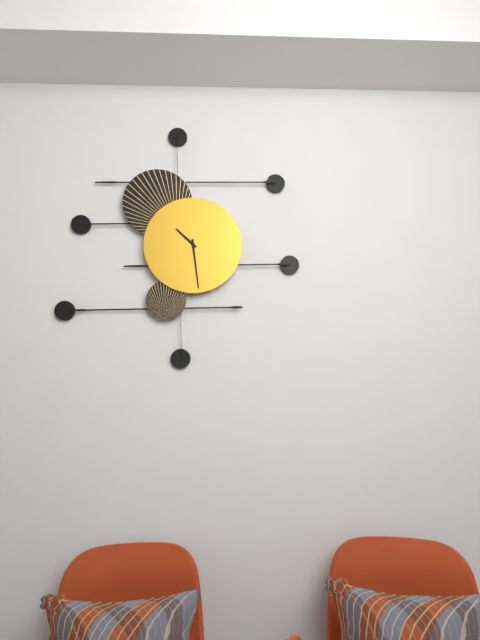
{"hour": 10, "minute": 29}
